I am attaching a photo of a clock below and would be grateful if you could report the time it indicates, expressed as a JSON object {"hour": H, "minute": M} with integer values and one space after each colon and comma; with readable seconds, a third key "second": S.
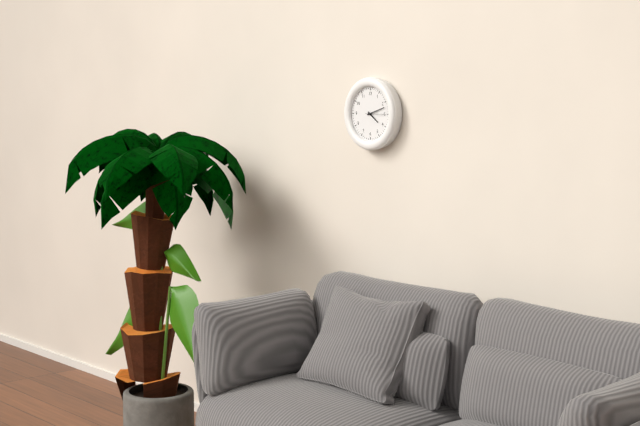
{"hour": 4, "minute": 12}
